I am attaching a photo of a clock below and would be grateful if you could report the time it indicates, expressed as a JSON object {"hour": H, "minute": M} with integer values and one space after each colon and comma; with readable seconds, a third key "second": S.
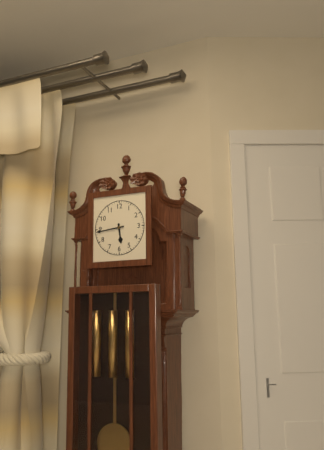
{"hour": 5, "minute": 44}
